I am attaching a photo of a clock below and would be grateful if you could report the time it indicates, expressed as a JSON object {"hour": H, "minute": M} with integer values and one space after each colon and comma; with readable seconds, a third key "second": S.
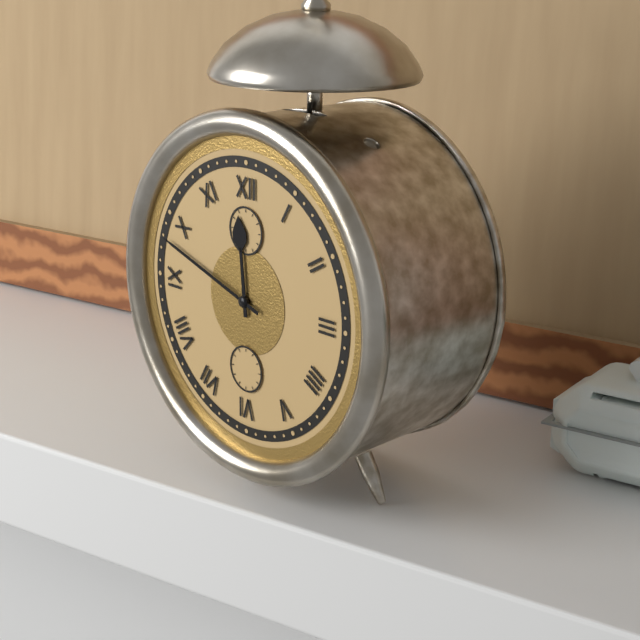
{"hour": 11, "minute": 48}
